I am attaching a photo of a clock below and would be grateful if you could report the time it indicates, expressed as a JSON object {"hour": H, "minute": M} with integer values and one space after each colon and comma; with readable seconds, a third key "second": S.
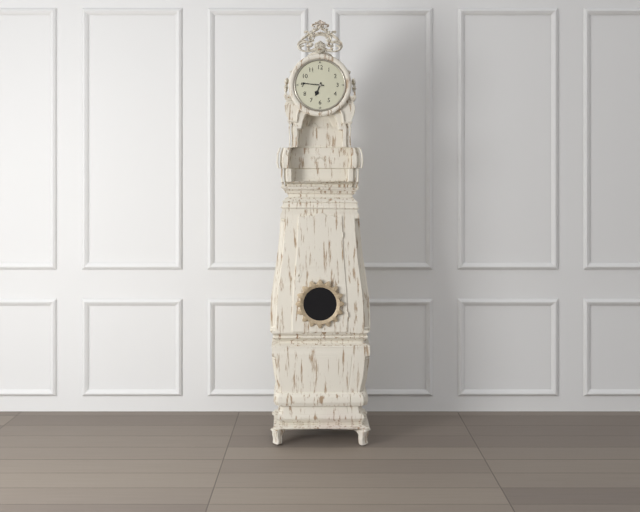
{"hour": 6, "minute": 46}
